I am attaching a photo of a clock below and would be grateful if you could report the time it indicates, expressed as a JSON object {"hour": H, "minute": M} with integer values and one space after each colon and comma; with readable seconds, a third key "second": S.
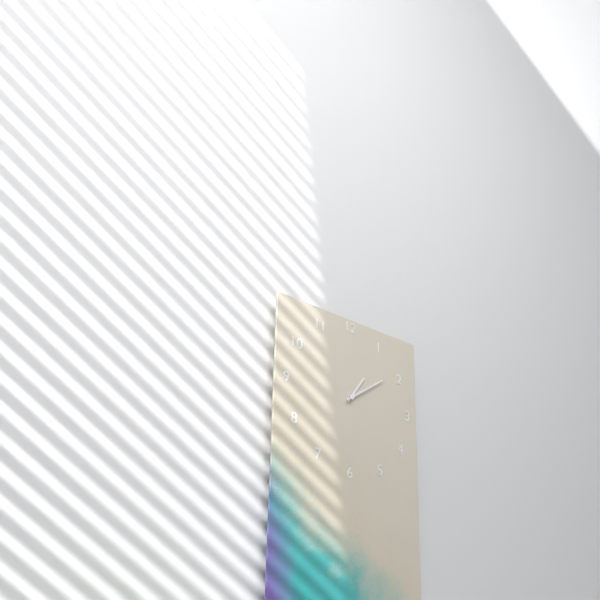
{"hour": 1, "minute": 9}
